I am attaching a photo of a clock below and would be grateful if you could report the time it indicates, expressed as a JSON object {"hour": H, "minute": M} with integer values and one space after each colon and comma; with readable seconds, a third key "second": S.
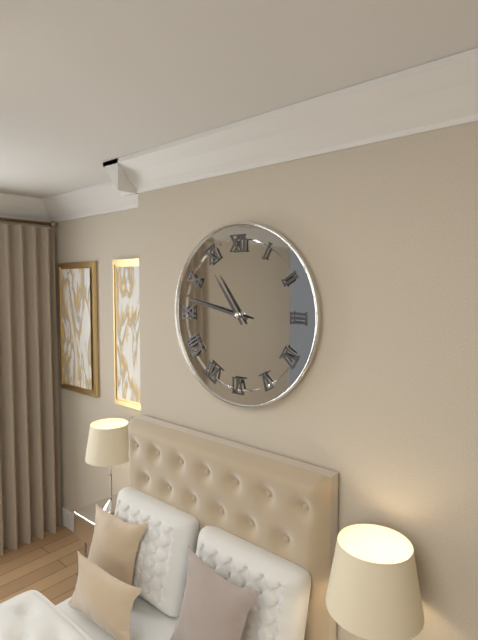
{"hour": 10, "minute": 47}
